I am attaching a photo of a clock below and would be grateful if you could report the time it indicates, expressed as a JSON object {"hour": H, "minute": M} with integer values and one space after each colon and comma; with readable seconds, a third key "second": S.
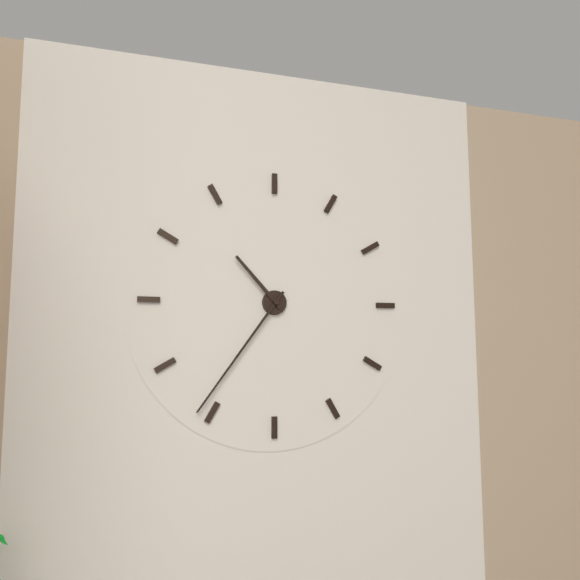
{"hour": 10, "minute": 36}
